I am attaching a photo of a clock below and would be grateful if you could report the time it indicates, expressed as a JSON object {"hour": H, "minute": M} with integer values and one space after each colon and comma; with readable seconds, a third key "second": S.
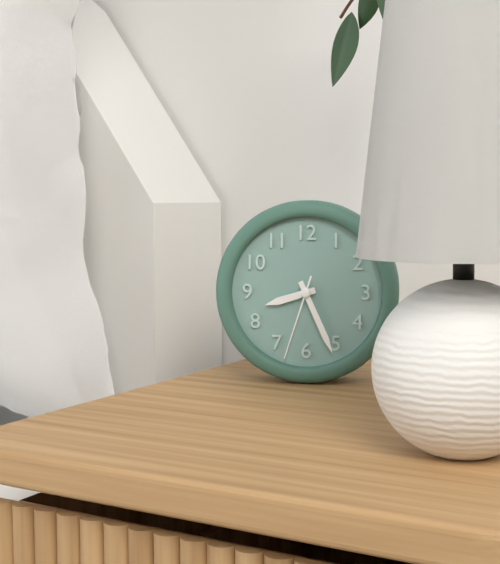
{"hour": 8, "minute": 26, "second": 33}
